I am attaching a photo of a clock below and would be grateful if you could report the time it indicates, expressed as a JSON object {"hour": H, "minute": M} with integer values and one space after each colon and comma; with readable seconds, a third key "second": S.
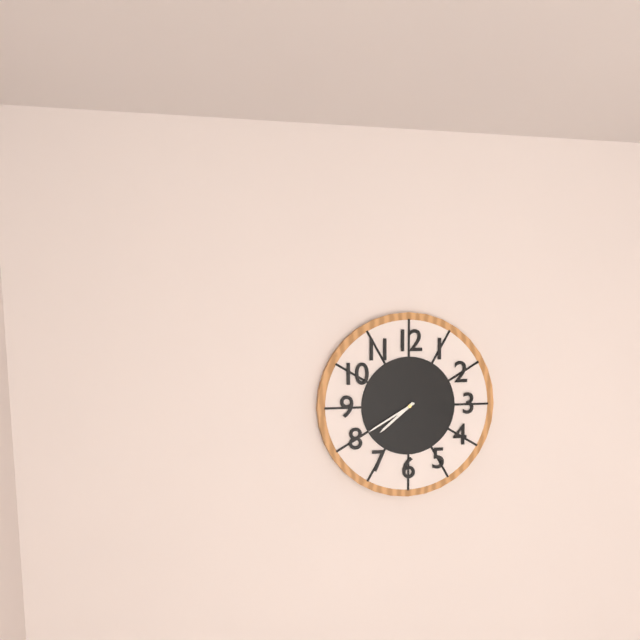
{"hour": 7, "minute": 40}
